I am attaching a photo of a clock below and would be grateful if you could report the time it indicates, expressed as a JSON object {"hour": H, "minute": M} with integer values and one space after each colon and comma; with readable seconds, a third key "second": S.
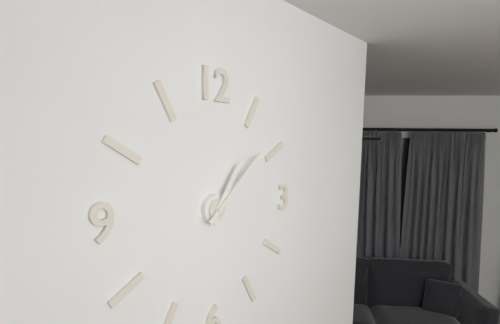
{"hour": 1, "minute": 8}
